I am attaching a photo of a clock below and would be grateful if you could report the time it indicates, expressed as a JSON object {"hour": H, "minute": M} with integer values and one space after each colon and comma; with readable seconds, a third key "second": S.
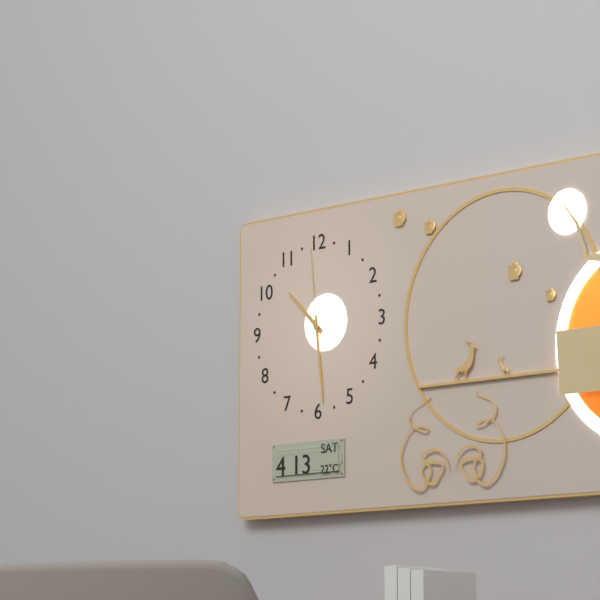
{"hour": 10, "minute": 29, "second": 59}
